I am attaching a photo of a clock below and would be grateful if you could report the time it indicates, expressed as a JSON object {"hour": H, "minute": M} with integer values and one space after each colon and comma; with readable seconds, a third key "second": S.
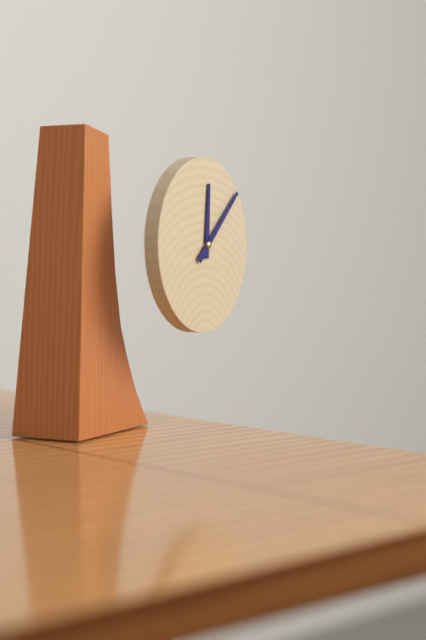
{"hour": 12, "minute": 8}
